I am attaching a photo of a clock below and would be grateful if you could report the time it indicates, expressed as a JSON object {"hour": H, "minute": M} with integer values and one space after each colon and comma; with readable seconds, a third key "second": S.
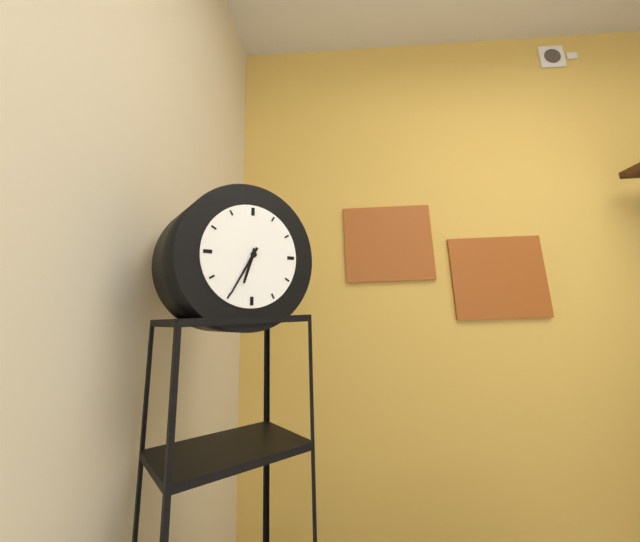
{"hour": 6, "minute": 35}
